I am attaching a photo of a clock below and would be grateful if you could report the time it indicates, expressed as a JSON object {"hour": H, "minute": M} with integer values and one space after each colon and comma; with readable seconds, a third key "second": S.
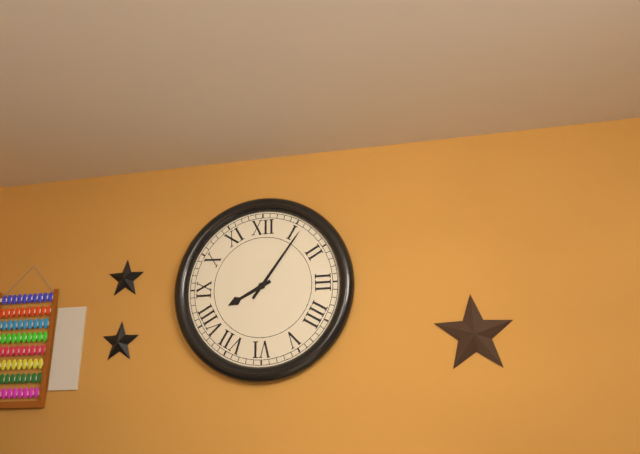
{"hour": 8, "minute": 6}
